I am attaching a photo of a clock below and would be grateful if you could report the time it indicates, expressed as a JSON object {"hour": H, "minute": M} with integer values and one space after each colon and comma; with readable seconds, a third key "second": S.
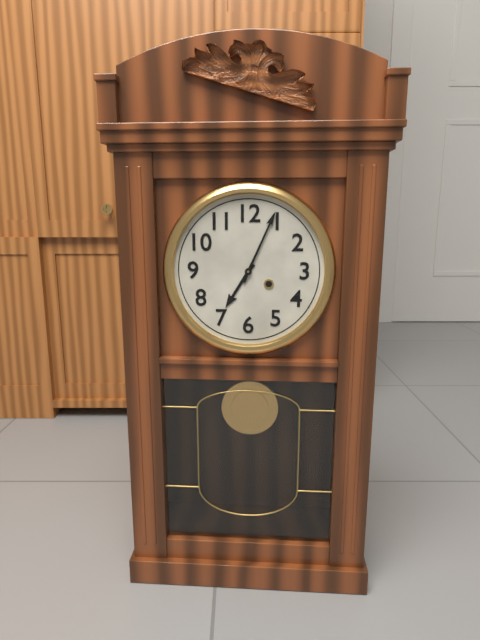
{"hour": 7, "minute": 4}
